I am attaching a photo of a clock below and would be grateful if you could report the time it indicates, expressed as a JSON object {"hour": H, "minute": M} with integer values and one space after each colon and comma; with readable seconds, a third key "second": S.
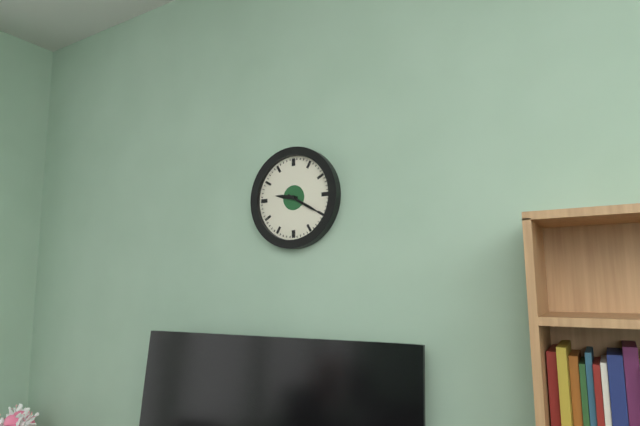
{"hour": 9, "minute": 20}
